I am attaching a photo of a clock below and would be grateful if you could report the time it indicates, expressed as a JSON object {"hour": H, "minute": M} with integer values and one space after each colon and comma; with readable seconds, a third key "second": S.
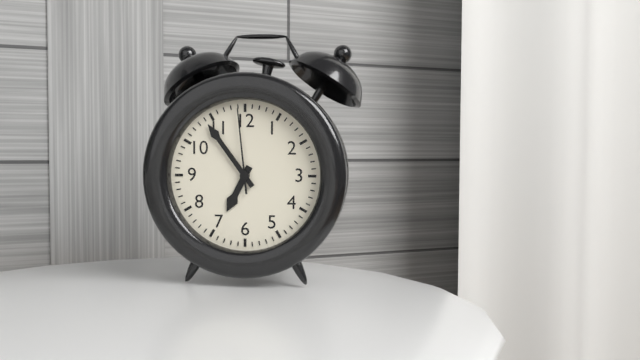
{"hour": 6, "minute": 54, "second": 59}
